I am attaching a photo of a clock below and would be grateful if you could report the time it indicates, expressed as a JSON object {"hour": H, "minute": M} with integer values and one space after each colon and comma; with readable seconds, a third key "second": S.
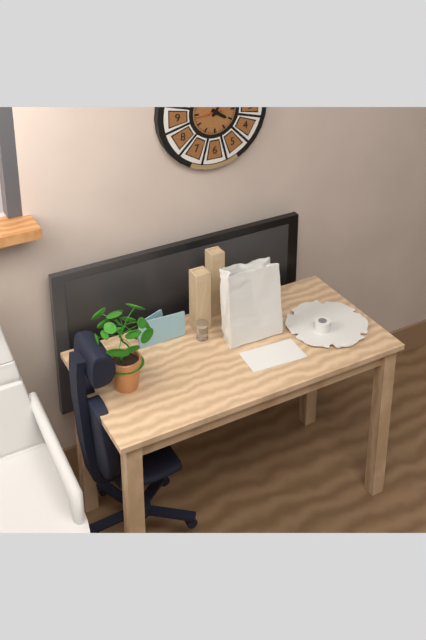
{"hour": 4, "minute": 6}
